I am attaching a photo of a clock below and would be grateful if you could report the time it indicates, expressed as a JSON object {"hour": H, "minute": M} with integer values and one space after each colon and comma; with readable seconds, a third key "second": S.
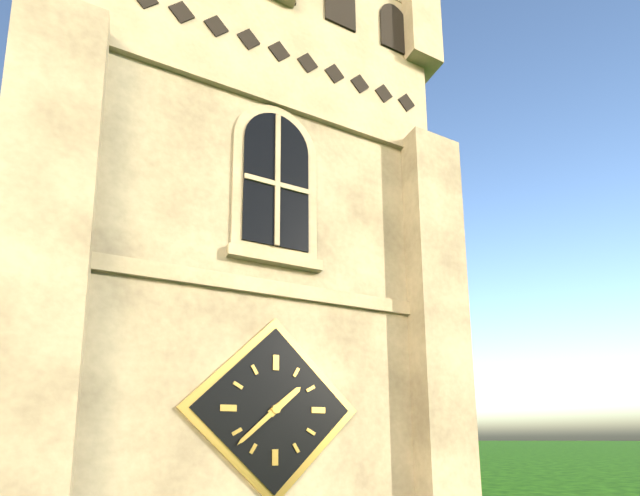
{"hour": 1, "minute": 38}
